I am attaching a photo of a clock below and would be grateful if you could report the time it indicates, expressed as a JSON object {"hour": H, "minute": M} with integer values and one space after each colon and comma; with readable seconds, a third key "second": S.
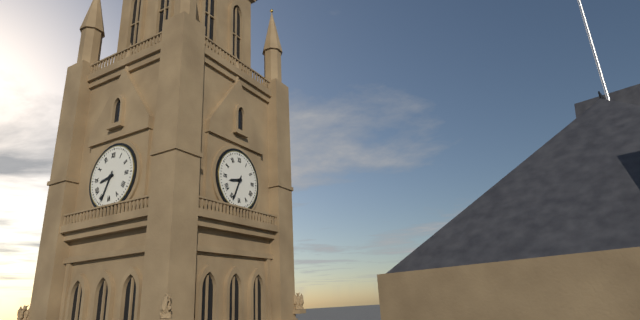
{"hour": 8, "minute": 34}
